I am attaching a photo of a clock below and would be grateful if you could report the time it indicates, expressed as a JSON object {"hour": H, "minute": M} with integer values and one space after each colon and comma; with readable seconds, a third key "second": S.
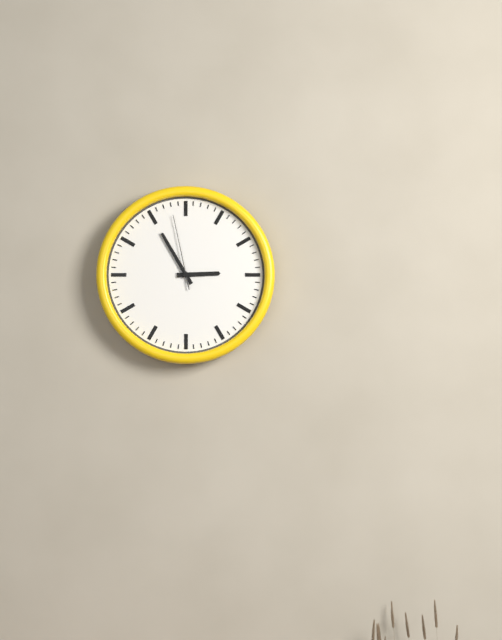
{"hour": 2, "minute": 55, "second": 58}
